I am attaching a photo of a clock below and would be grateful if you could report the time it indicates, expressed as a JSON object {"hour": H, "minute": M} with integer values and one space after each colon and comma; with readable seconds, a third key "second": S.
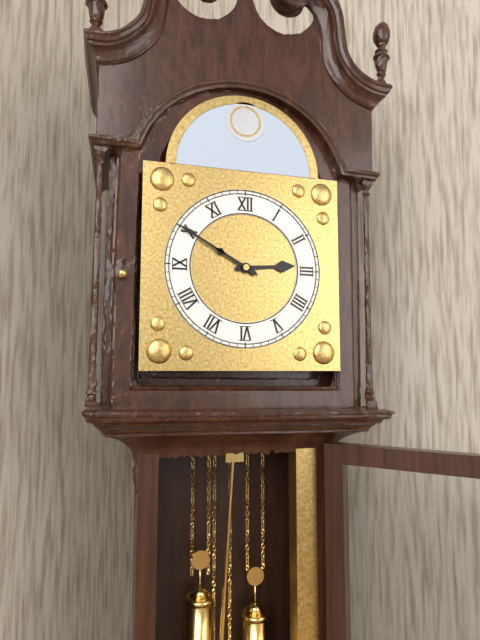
{"hour": 2, "minute": 50}
